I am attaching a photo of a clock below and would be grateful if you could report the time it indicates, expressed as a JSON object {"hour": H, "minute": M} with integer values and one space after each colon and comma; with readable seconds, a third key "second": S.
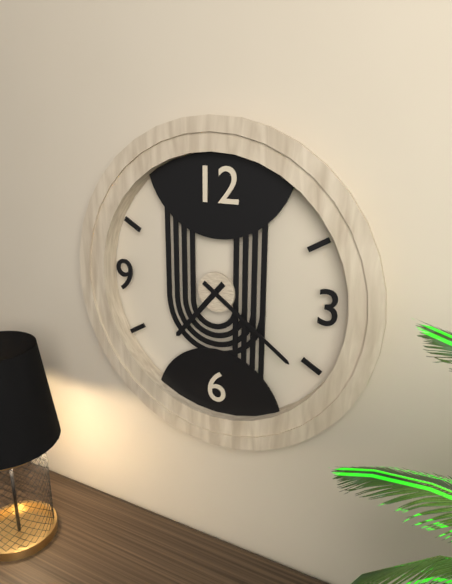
{"hour": 7, "minute": 21}
